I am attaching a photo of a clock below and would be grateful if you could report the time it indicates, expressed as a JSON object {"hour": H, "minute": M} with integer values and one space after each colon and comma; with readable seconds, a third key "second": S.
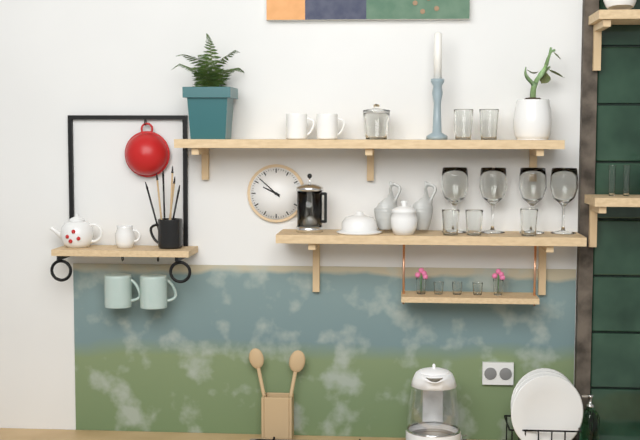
{"hour": 9, "minute": 52}
